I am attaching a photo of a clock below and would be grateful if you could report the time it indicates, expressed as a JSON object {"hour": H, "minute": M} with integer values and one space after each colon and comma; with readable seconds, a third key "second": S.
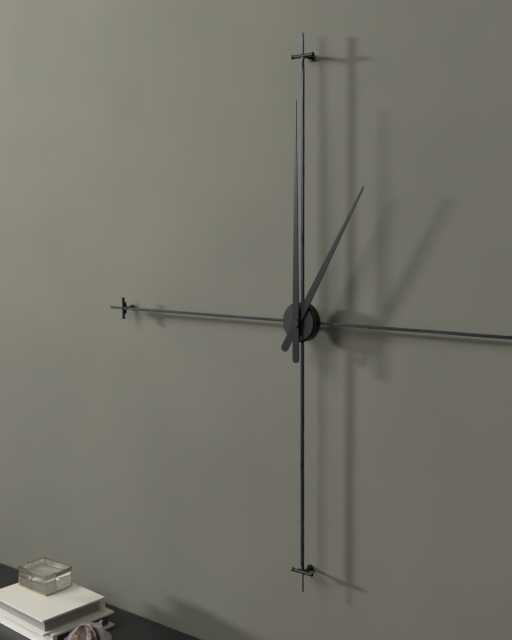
{"hour": 1, "minute": 0}
